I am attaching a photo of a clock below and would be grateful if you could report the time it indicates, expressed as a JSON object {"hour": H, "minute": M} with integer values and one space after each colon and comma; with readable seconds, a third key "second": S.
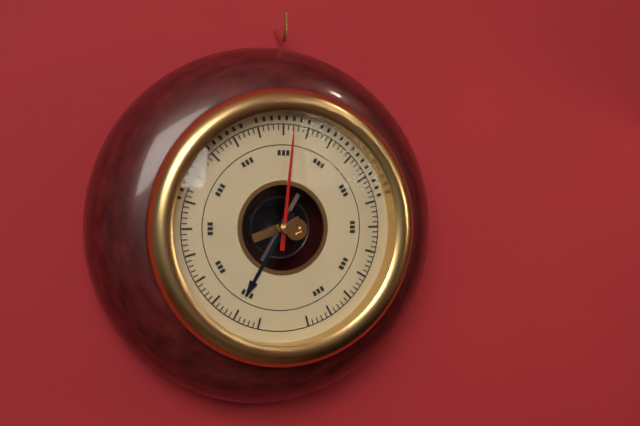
{"hour": 7, "minute": 1}
